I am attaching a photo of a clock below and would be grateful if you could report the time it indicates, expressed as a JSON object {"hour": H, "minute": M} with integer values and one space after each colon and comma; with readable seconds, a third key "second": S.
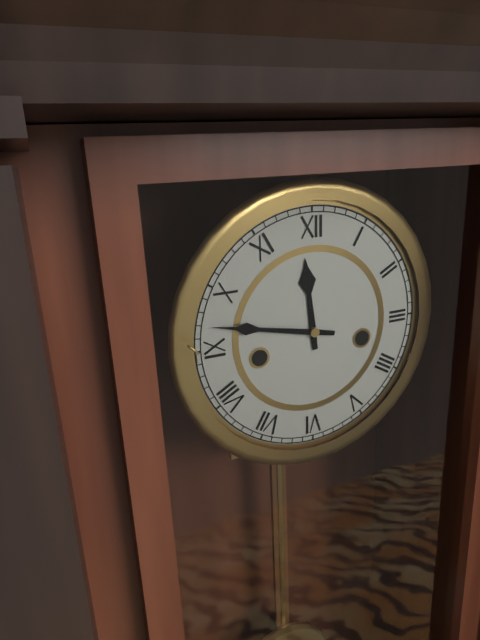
{"hour": 11, "minute": 47}
